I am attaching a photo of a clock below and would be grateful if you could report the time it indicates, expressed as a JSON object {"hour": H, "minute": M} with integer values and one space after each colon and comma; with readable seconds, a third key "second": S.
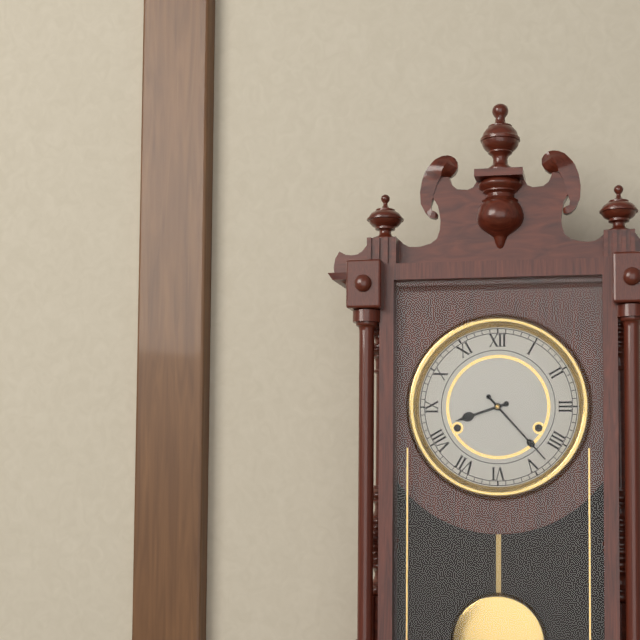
{"hour": 8, "minute": 23}
